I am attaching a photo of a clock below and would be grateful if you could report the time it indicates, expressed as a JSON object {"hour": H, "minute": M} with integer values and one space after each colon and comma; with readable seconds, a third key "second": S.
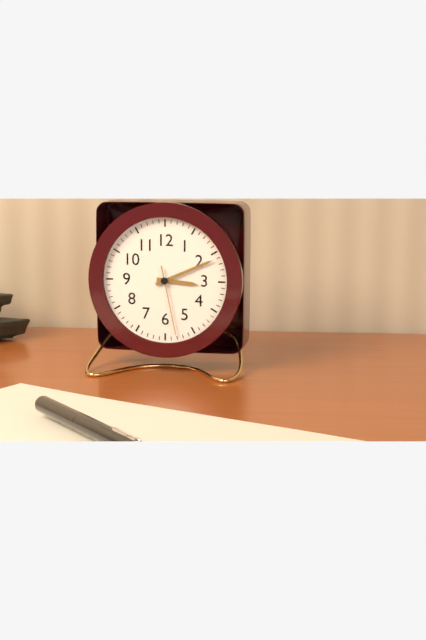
{"hour": 3, "minute": 11, "second": 28}
